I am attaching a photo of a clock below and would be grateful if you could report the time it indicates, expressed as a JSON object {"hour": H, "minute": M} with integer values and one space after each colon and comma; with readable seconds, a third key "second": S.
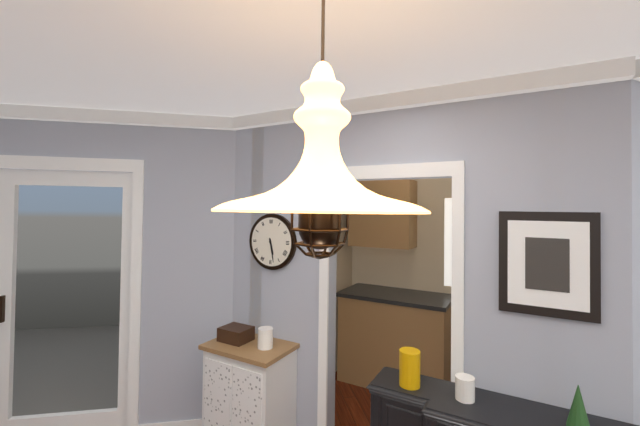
{"hour": 5, "minute": 28}
